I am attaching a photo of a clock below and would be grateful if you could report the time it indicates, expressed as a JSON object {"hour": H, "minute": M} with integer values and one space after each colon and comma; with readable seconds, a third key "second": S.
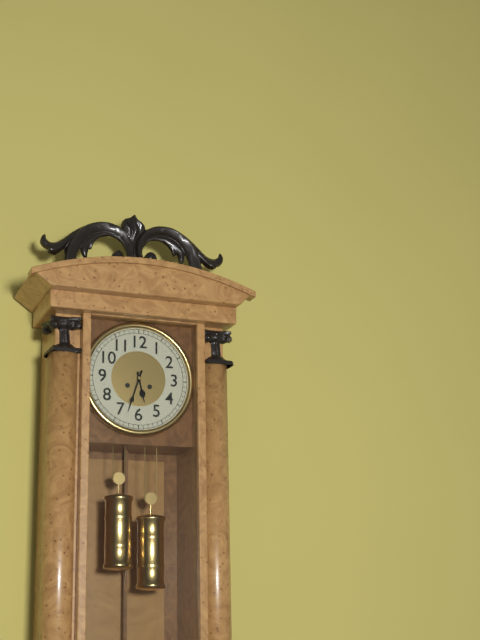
{"hour": 5, "minute": 33}
